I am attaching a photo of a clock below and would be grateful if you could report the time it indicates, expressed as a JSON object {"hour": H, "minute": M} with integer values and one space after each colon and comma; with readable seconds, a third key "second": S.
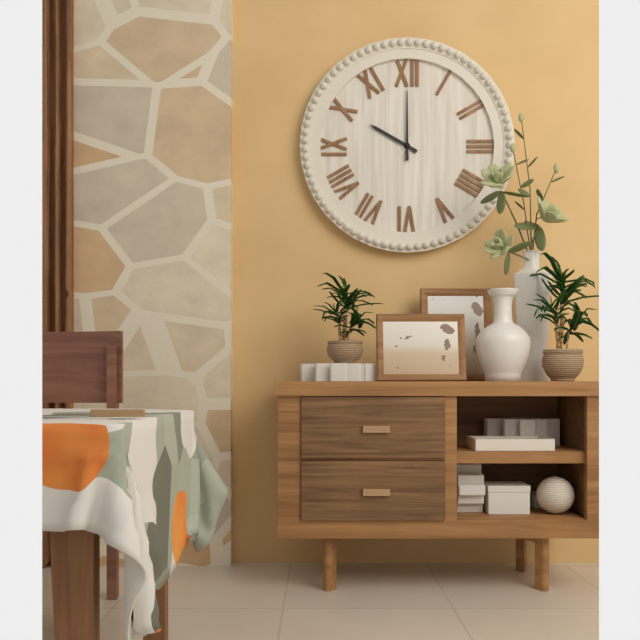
{"hour": 10, "minute": 0}
